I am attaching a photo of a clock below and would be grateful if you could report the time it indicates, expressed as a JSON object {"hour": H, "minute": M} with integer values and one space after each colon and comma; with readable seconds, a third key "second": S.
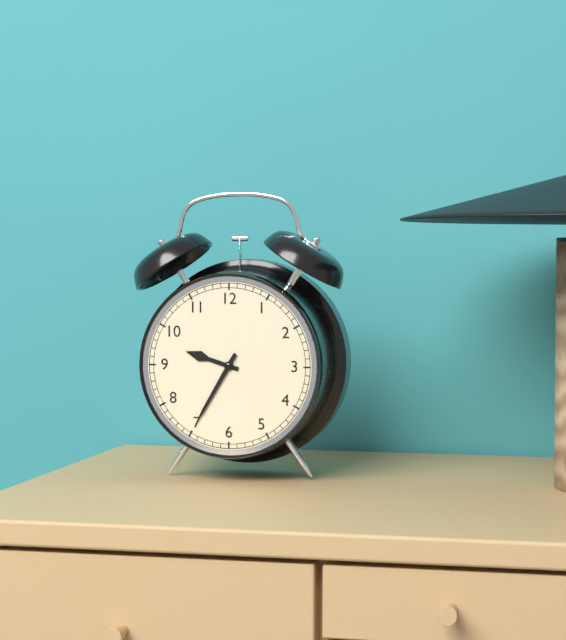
{"hour": 9, "minute": 35}
